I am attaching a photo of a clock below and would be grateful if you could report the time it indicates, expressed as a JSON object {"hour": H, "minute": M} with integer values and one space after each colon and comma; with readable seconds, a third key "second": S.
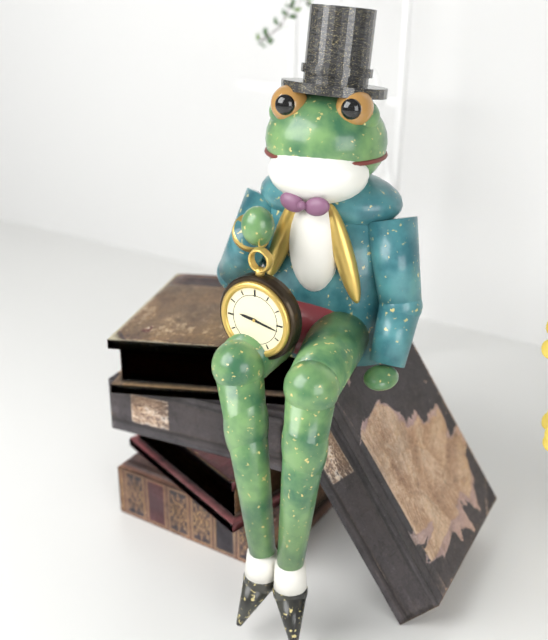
{"hour": 9, "minute": 17}
